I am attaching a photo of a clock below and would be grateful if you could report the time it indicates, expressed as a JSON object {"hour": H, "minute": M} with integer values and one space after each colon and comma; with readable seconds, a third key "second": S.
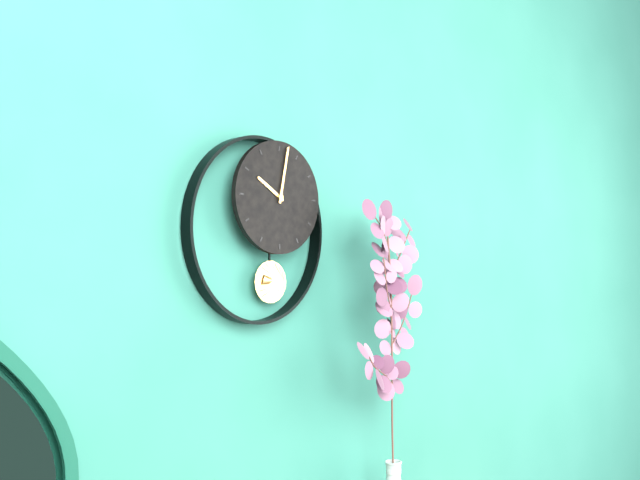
{"hour": 10, "minute": 2}
